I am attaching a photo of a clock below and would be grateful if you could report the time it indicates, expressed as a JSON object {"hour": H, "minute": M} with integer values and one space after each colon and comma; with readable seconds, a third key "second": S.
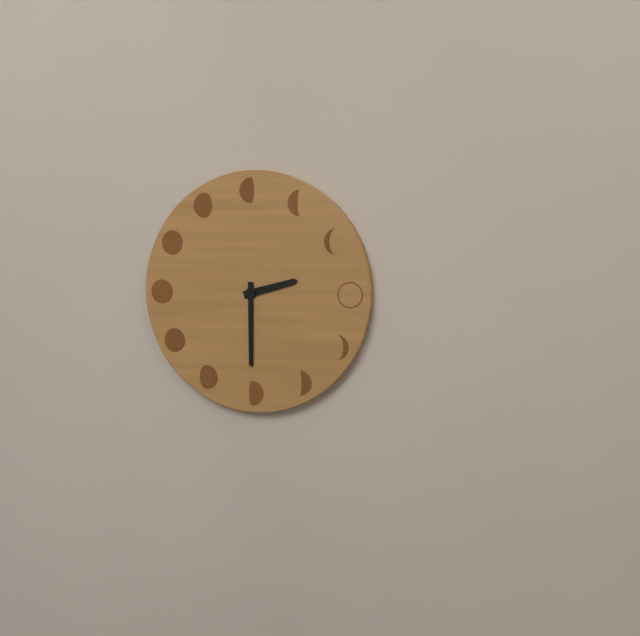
{"hour": 2, "minute": 30}
